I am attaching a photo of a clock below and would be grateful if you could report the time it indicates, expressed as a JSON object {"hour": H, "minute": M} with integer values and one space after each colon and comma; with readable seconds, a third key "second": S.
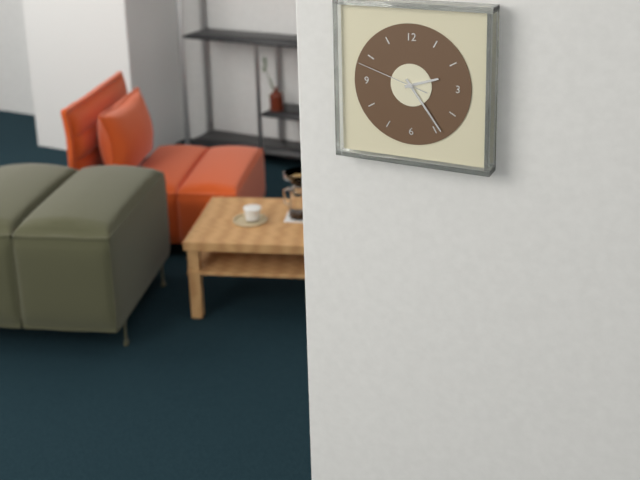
{"hour": 2, "minute": 24, "second": 48}
